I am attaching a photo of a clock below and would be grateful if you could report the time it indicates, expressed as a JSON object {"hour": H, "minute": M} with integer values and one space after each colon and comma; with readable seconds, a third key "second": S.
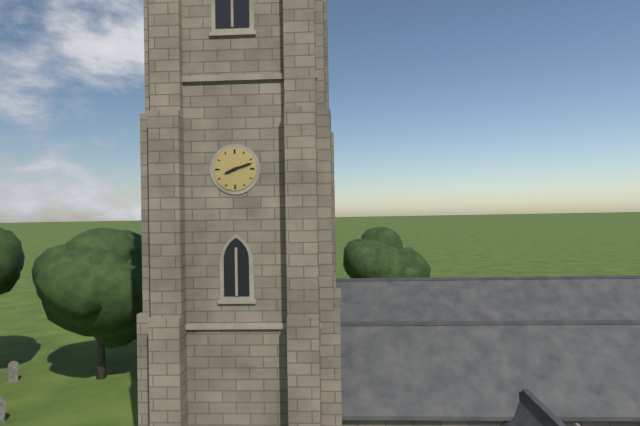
{"hour": 8, "minute": 12}
